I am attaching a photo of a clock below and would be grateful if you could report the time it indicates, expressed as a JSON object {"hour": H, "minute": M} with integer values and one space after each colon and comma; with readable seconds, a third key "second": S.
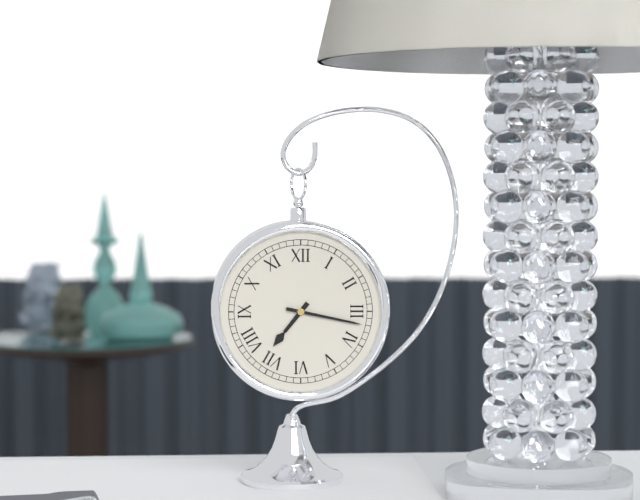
{"hour": 7, "minute": 17}
